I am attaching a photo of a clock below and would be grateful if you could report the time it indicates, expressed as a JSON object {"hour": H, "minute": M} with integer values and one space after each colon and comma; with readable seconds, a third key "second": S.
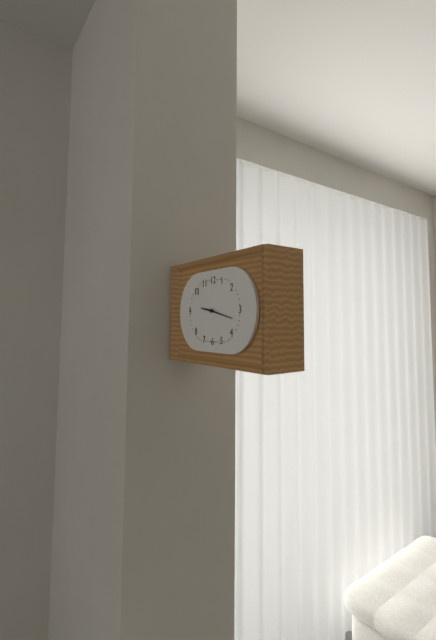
{"hour": 9, "minute": 17}
